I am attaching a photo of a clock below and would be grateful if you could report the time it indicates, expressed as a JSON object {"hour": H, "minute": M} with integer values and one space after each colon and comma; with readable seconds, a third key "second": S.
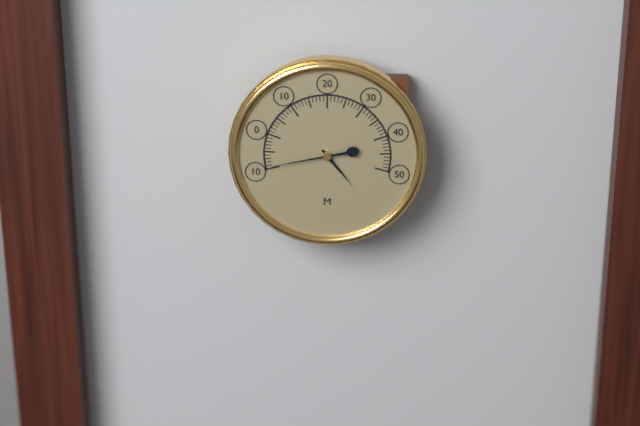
{"hour": 4, "minute": 43}
